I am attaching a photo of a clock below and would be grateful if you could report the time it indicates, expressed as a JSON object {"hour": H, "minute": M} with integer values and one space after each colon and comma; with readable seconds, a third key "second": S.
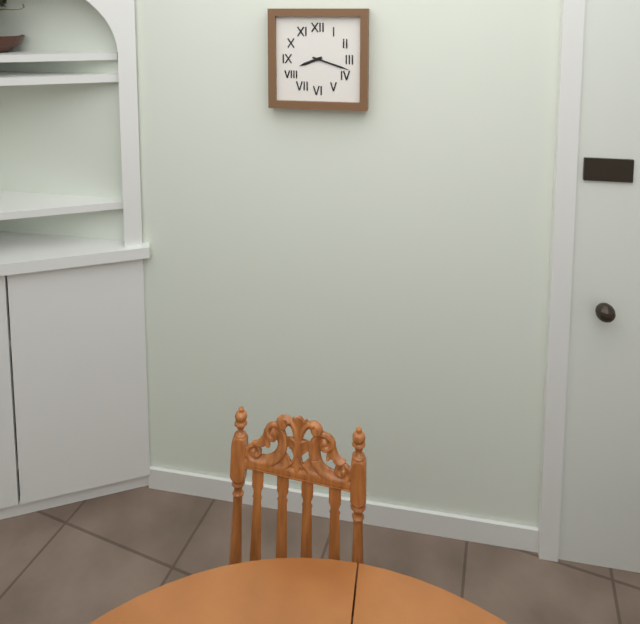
{"hour": 8, "minute": 18}
